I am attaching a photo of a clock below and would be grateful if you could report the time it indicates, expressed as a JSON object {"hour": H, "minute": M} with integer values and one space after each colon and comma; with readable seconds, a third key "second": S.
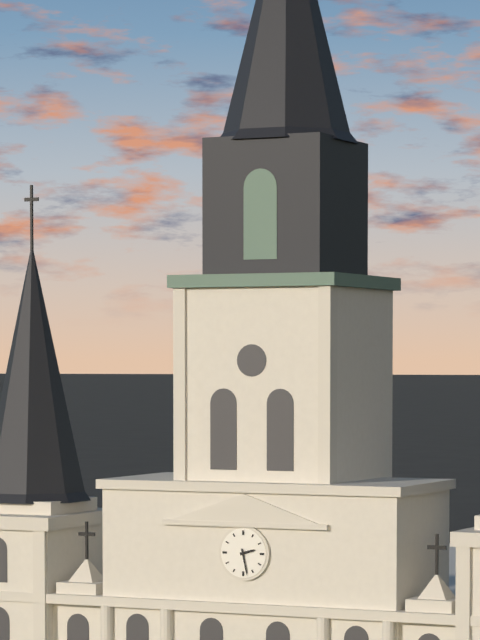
{"hour": 2, "minute": 28}
